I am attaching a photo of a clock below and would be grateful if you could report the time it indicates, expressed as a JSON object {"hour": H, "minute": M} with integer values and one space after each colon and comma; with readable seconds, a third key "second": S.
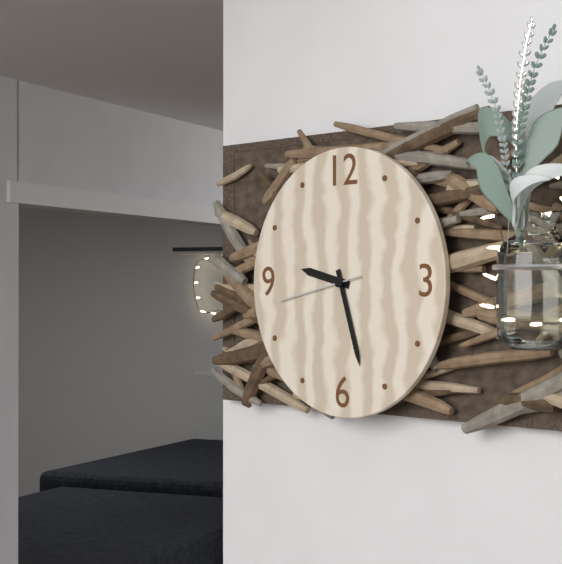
{"hour": 9, "minute": 27, "second": 43}
